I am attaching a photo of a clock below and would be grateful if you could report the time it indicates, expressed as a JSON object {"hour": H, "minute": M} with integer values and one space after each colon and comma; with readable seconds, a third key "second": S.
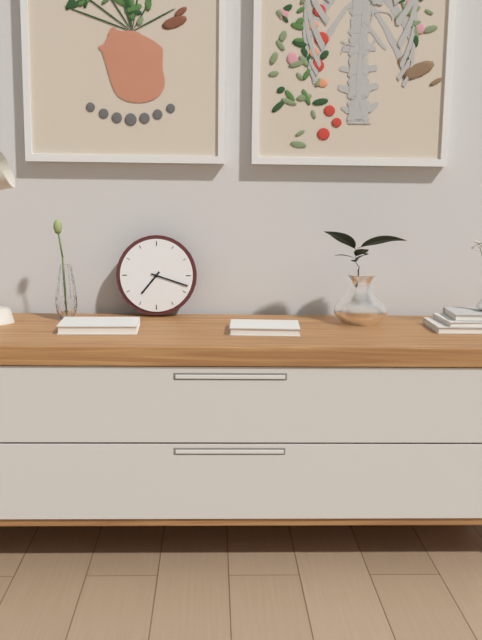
{"hour": 7, "minute": 18}
